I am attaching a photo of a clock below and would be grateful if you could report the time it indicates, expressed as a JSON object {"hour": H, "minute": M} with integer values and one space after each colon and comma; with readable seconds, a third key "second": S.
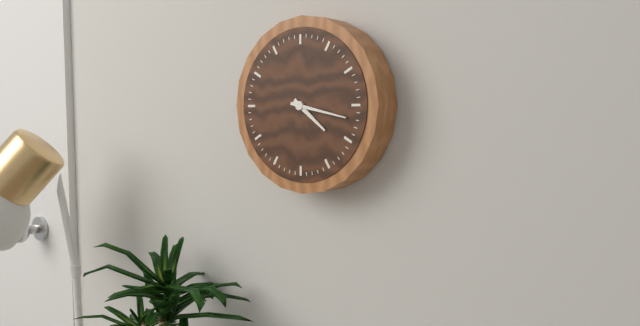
{"hour": 4, "minute": 17}
